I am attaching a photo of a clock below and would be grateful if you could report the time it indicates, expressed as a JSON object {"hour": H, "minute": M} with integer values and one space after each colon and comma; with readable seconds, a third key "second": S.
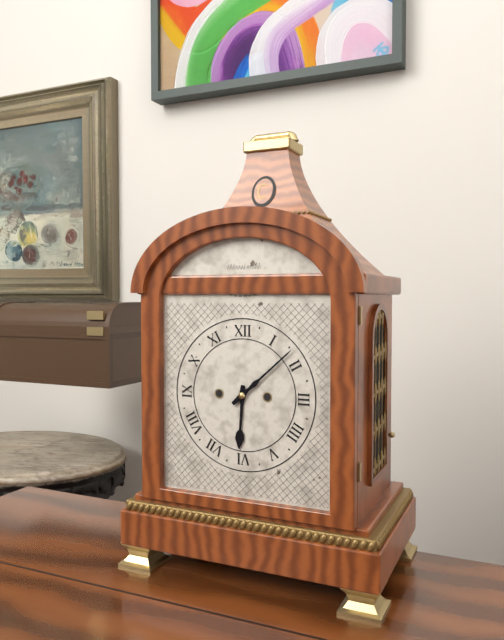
{"hour": 6, "minute": 8}
